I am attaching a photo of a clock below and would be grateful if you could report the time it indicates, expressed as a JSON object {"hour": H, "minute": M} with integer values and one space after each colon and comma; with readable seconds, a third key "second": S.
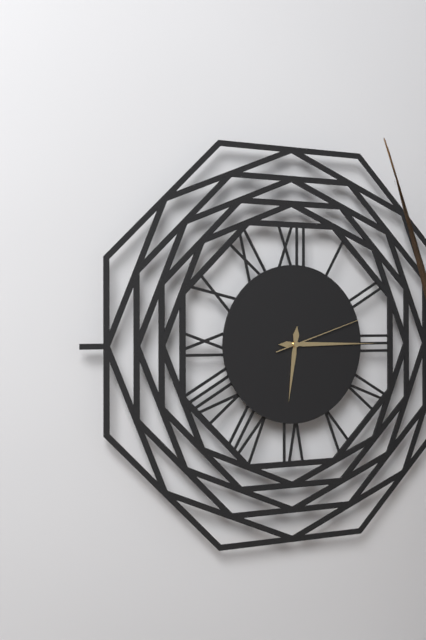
{"hour": 6, "minute": 15, "second": 12}
